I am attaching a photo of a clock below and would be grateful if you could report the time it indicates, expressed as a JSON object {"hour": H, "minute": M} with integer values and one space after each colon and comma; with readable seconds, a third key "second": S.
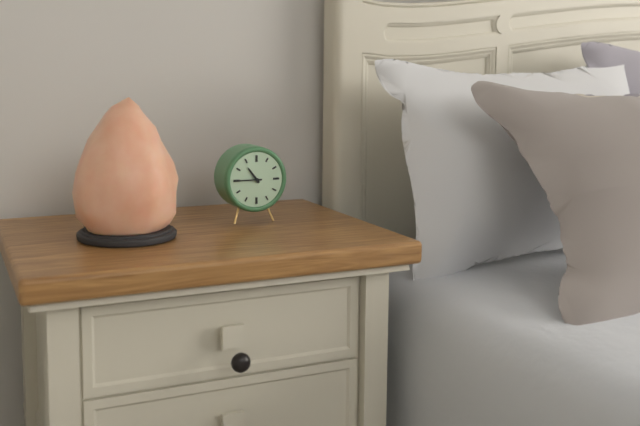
{"hour": 10, "minute": 45}
